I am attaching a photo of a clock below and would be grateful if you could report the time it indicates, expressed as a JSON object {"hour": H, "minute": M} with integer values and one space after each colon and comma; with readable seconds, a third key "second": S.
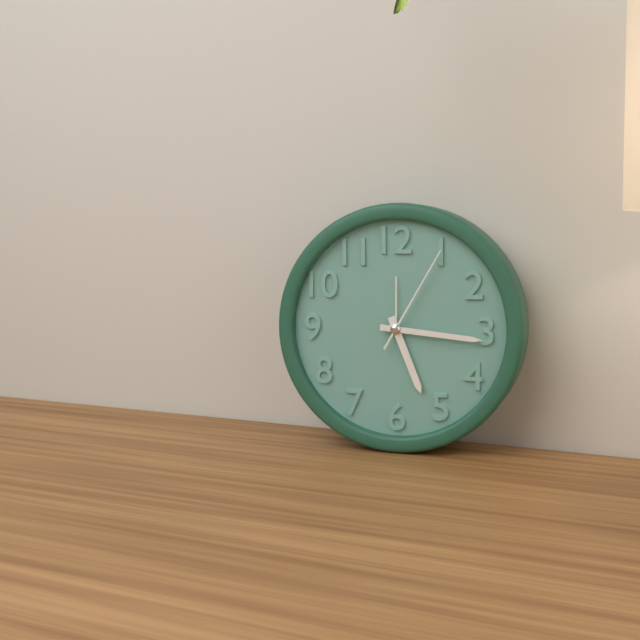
{"hour": 5, "minute": 16, "second": 5}
